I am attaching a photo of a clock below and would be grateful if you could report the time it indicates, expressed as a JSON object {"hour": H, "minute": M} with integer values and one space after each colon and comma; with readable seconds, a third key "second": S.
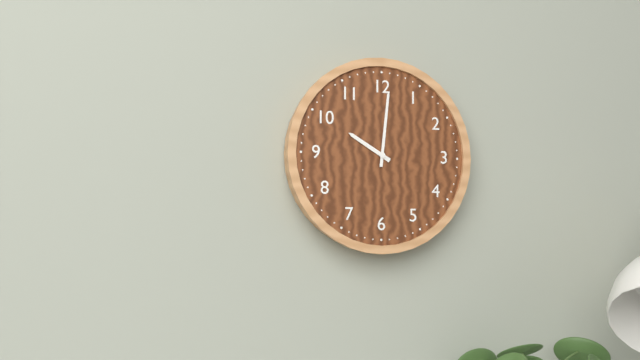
{"hour": 10, "minute": 1}
